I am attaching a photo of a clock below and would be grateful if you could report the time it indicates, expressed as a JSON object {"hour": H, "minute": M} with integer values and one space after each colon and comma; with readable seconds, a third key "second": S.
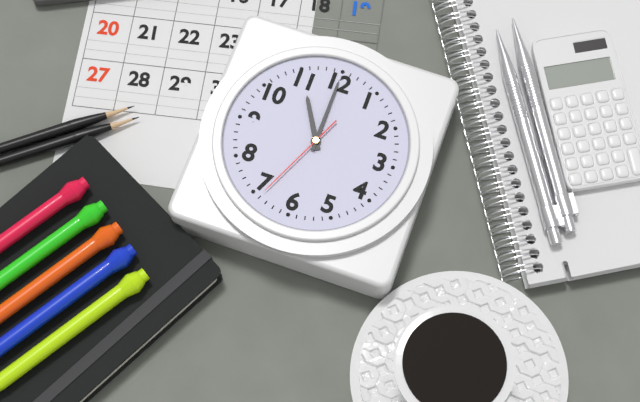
{"hour": 11, "minute": 0, "second": 34}
